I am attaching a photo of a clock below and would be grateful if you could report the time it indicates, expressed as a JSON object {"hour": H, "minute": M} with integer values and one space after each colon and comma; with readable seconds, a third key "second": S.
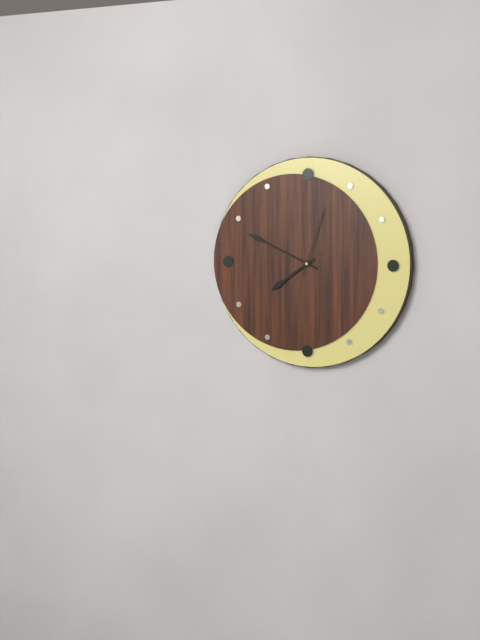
{"hour": 7, "minute": 49, "second": 3}
